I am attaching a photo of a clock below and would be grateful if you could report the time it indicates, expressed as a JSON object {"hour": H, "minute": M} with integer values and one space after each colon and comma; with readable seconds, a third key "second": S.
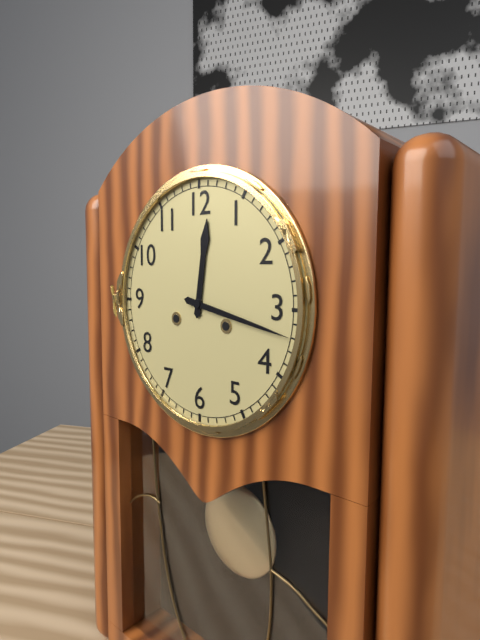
{"hour": 12, "minute": 17}
